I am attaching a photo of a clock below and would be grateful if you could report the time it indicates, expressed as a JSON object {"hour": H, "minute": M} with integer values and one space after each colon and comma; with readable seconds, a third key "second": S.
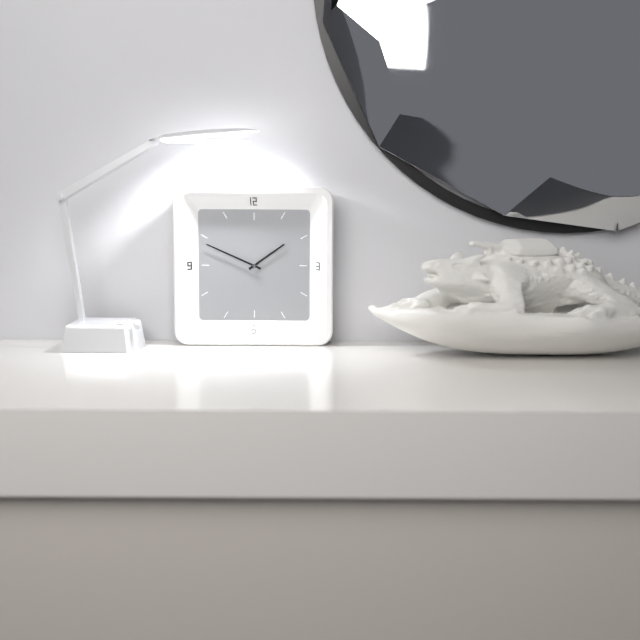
{"hour": 1, "minute": 49}
